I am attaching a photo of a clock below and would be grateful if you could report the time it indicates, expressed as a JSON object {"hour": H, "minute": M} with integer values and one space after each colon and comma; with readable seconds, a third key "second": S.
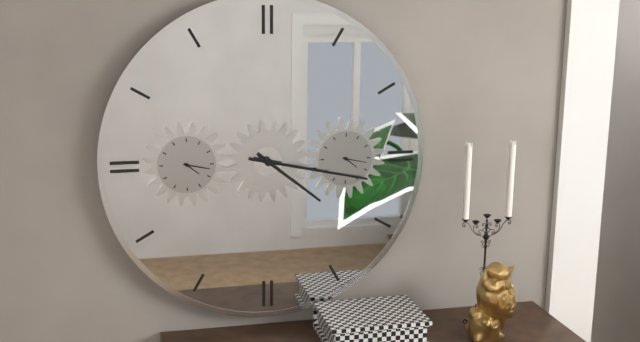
{"hour": 4, "minute": 17}
